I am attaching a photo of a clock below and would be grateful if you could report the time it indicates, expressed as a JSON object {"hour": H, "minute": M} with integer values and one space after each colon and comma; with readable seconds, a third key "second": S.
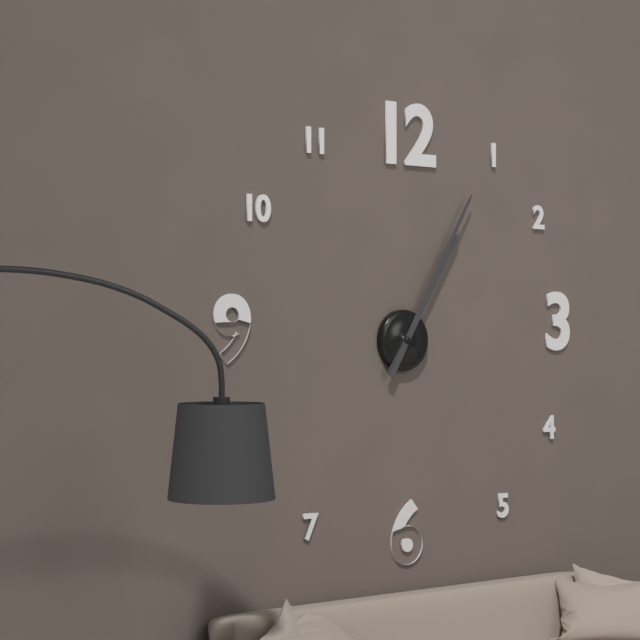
{"hour": 1, "minute": 5}
